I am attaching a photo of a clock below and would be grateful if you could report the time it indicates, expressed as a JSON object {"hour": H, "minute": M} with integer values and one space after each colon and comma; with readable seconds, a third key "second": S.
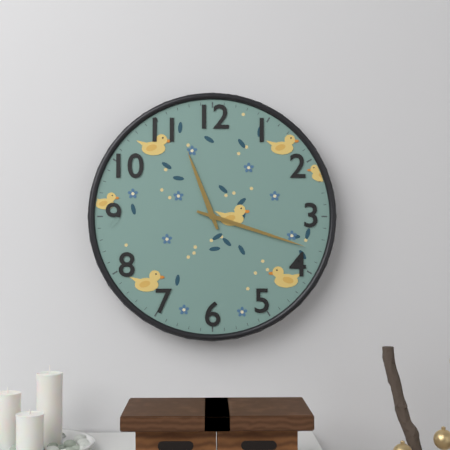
{"hour": 11, "minute": 18}
